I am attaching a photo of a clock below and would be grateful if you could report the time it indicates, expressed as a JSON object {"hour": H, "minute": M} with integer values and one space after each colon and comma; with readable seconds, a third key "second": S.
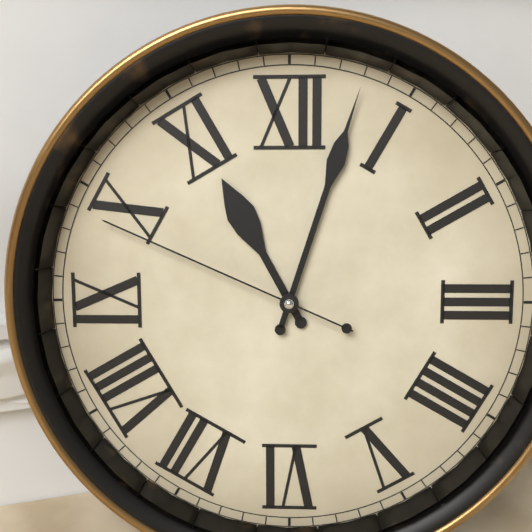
{"hour": 11, "minute": 3, "second": 49}
